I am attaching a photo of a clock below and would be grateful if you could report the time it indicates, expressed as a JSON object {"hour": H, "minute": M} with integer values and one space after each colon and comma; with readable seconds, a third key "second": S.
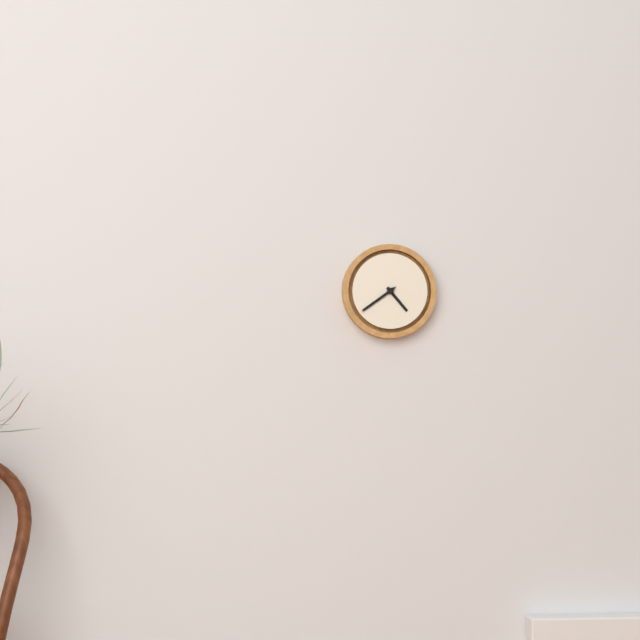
{"hour": 4, "minute": 39}
